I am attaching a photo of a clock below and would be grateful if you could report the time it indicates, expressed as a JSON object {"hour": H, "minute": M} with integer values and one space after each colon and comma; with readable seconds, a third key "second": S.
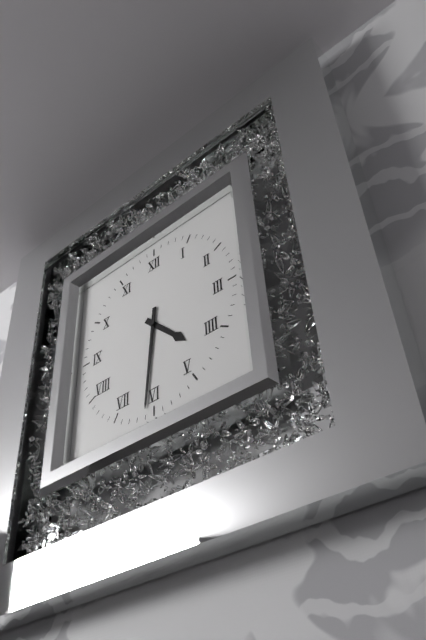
{"hour": 4, "minute": 31}
